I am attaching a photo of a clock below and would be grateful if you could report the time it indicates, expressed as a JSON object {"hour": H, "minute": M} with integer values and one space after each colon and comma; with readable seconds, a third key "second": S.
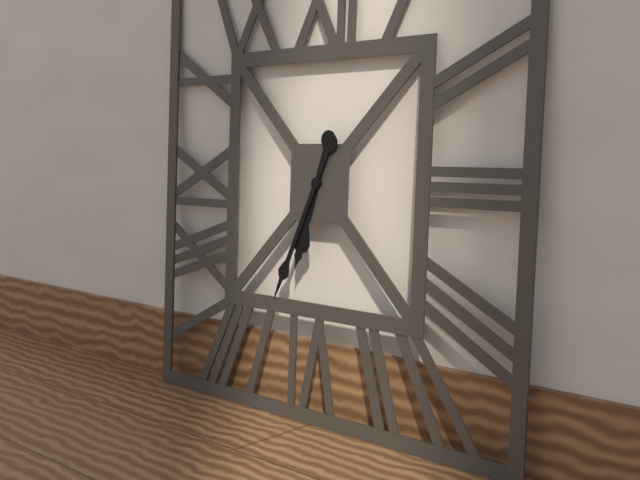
{"hour": 6, "minute": 34}
